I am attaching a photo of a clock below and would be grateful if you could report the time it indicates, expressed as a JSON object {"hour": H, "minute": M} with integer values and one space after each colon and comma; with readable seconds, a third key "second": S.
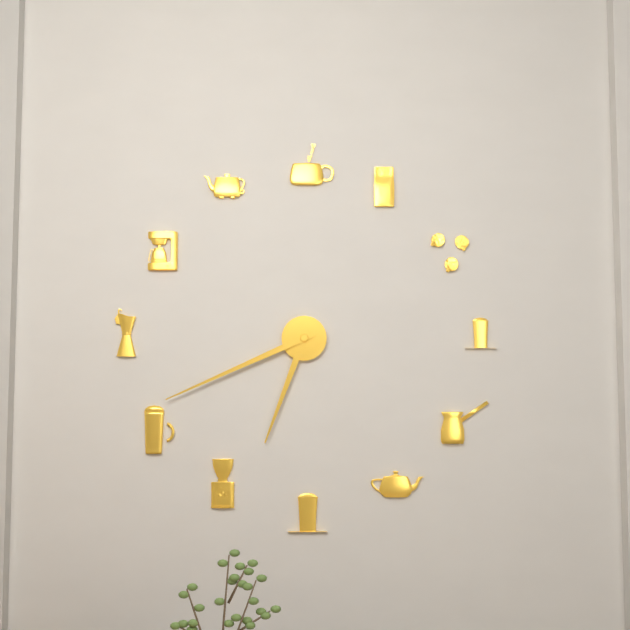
{"hour": 6, "minute": 41}
